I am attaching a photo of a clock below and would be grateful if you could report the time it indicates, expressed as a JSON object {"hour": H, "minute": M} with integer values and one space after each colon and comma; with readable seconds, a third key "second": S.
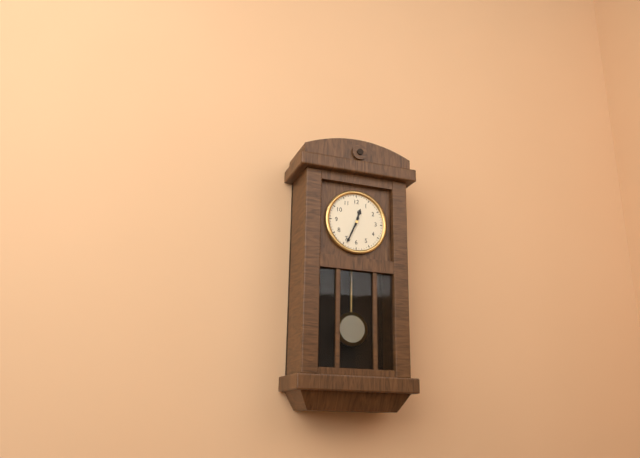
{"hour": 12, "minute": 34}
